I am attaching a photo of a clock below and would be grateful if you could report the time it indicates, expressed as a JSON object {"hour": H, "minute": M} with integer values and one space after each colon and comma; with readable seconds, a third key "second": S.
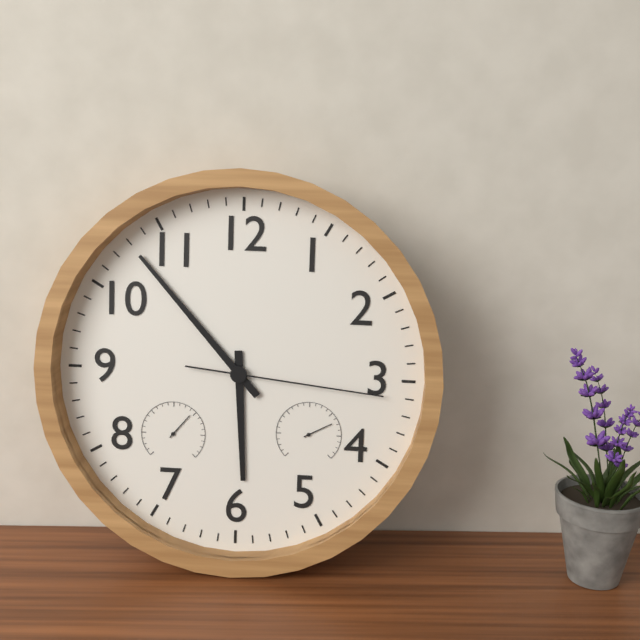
{"hour": 5, "minute": 53, "second": 16}
